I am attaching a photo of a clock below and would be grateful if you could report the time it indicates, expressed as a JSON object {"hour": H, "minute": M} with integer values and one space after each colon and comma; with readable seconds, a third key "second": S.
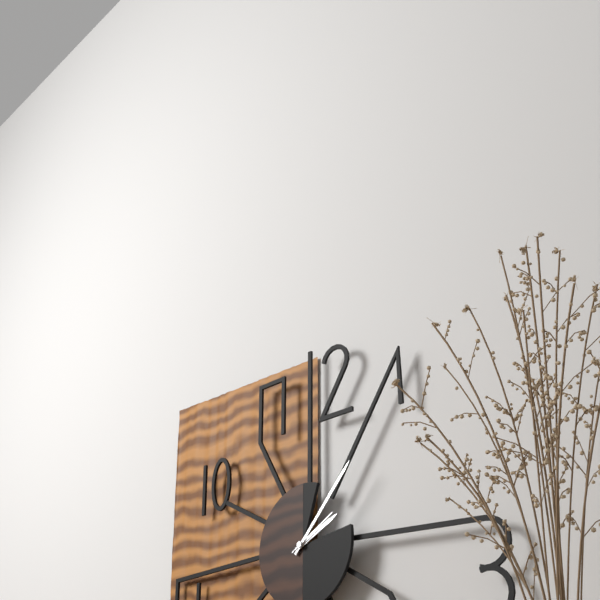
{"hour": 2, "minute": 7}
